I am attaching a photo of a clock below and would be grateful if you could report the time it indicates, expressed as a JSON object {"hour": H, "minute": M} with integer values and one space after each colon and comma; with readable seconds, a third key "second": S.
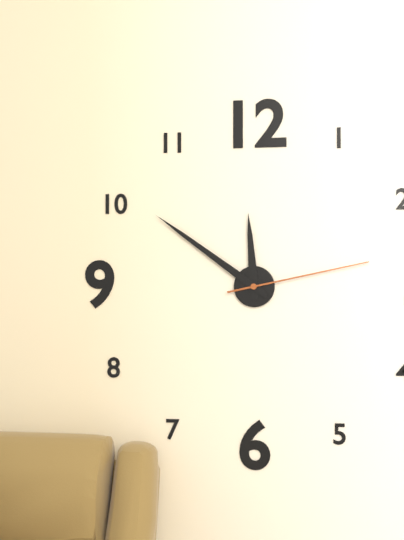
{"hour": 11, "minute": 51, "second": 13}
